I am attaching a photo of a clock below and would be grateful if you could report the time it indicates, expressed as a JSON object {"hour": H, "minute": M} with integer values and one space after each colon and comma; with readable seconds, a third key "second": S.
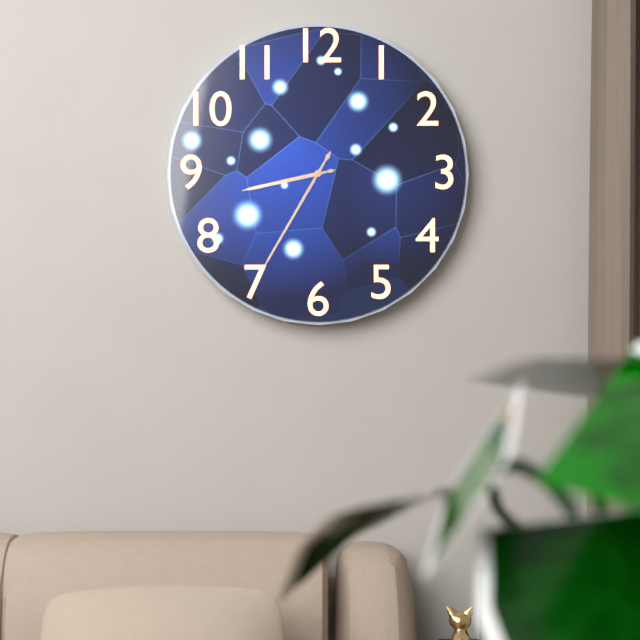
{"hour": 8, "minute": 35}
